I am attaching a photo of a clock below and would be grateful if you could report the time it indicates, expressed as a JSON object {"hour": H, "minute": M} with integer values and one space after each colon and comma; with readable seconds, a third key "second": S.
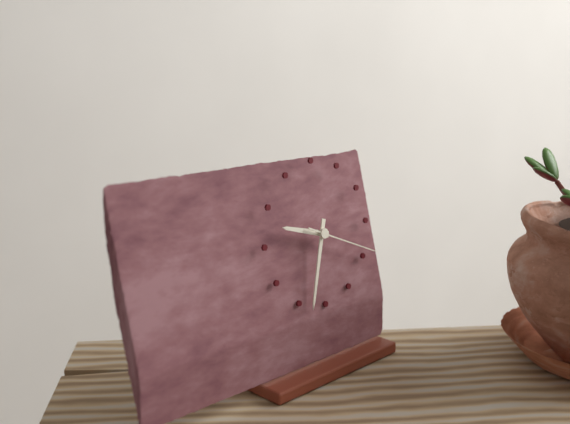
{"hour": 9, "minute": 33, "second": 19}
